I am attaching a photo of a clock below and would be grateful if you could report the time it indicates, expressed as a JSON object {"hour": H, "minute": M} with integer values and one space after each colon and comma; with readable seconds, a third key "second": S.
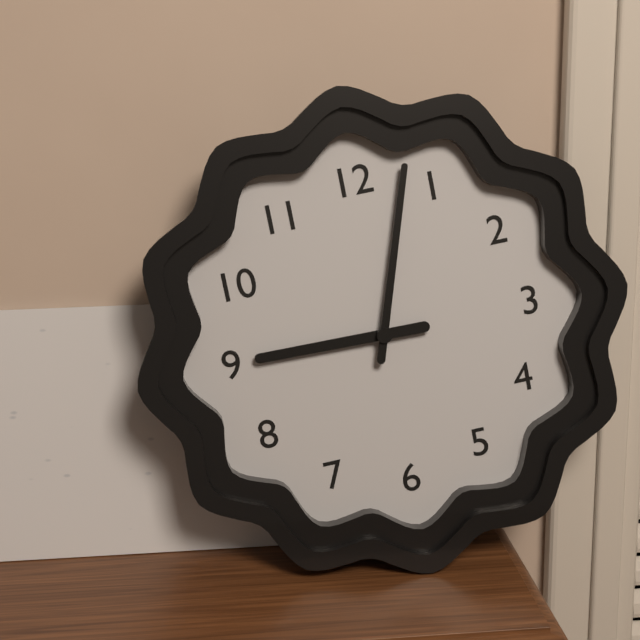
{"hour": 9, "minute": 3}
